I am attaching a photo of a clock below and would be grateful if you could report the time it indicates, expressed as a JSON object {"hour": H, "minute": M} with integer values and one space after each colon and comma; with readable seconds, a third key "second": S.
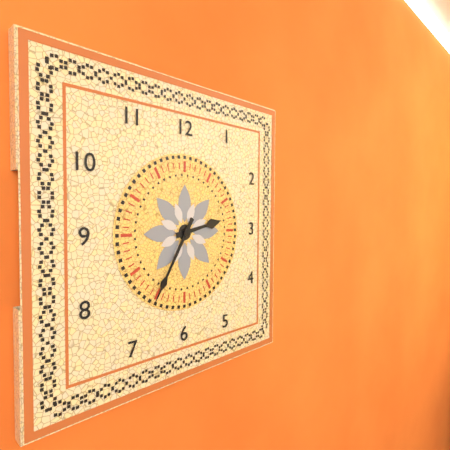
{"hour": 2, "minute": 35}
